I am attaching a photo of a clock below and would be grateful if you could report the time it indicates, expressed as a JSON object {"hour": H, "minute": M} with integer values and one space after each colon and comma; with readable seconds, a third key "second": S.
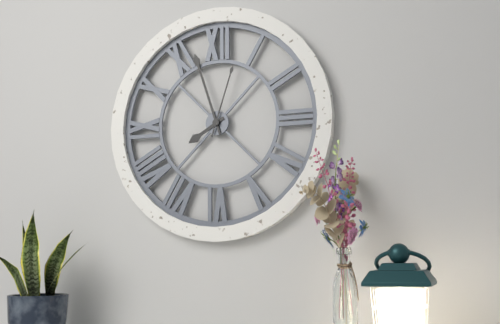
{"hour": 7, "minute": 57, "second": 3}
